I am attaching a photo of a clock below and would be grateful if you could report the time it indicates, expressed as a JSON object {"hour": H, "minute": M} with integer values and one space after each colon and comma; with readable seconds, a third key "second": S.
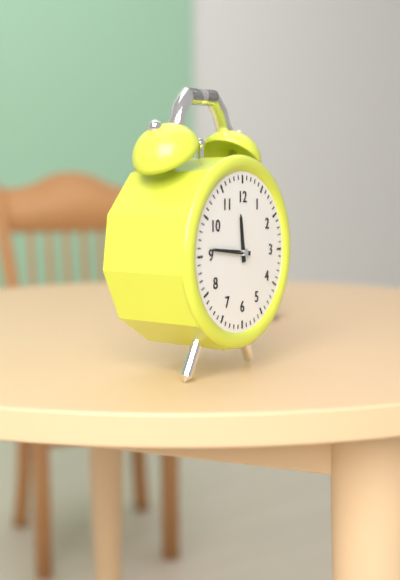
{"hour": 11, "minute": 46}
